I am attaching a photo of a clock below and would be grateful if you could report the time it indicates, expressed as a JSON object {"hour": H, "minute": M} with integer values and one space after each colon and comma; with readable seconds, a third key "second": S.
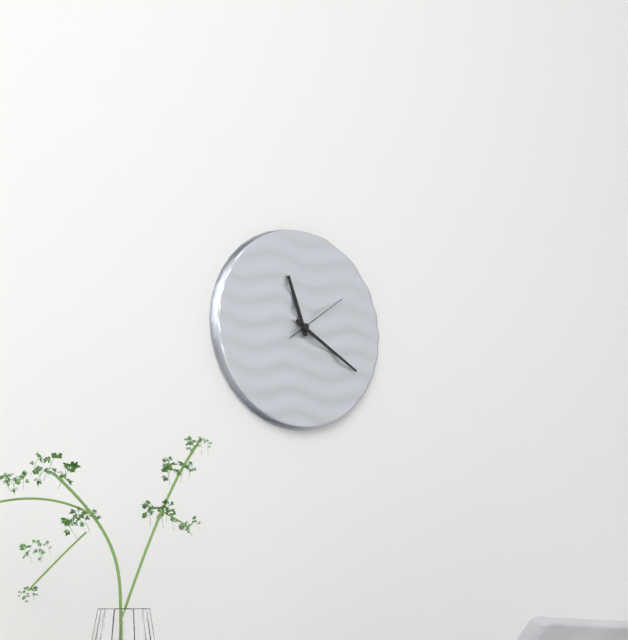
{"hour": 11, "minute": 20, "second": 9}
